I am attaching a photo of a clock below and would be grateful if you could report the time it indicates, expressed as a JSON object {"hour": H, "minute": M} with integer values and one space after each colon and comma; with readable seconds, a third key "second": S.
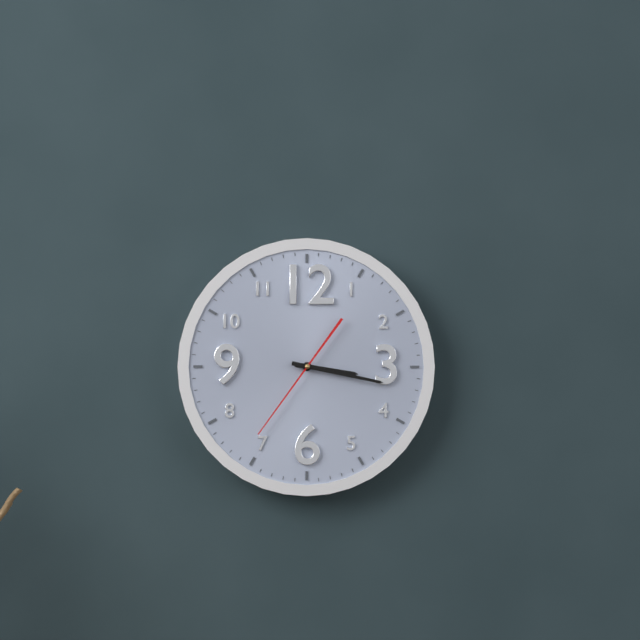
{"hour": 3, "minute": 17, "second": 36}
